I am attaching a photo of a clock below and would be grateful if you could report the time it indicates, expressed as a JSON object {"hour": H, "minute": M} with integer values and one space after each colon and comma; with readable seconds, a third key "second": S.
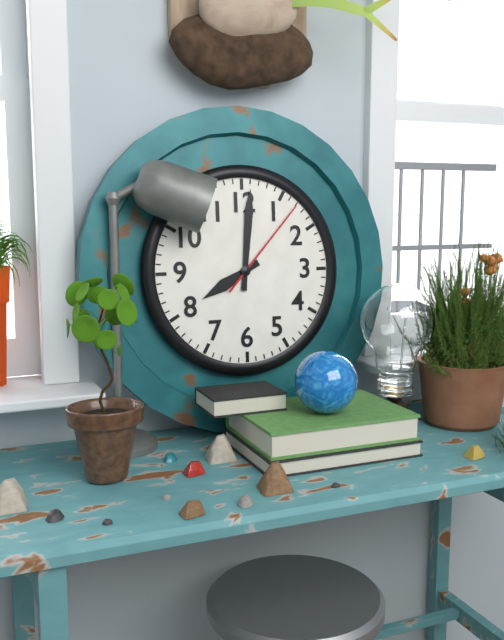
{"hour": 8, "minute": 1, "second": 7}
